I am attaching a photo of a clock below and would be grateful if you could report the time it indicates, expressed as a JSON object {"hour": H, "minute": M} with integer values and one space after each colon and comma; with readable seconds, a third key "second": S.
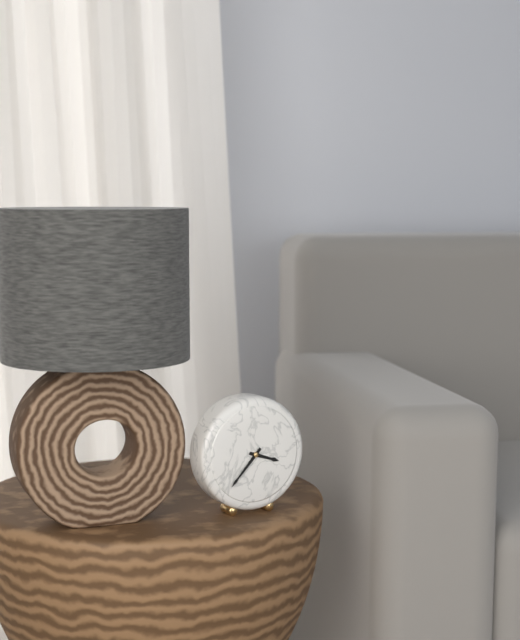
{"hour": 3, "minute": 37}
